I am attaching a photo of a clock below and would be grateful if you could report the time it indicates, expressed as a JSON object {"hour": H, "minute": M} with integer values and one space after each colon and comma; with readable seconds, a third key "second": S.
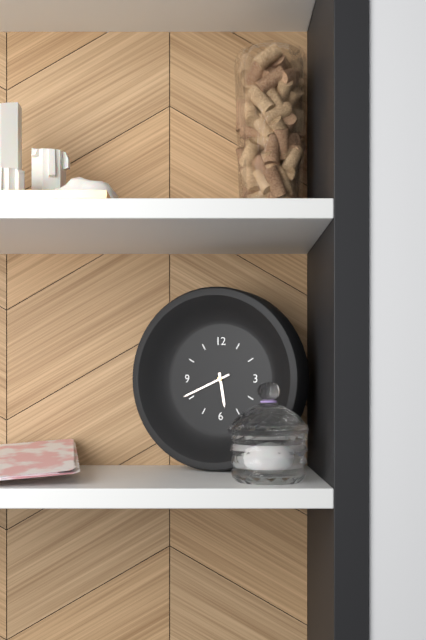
{"hour": 5, "minute": 41}
